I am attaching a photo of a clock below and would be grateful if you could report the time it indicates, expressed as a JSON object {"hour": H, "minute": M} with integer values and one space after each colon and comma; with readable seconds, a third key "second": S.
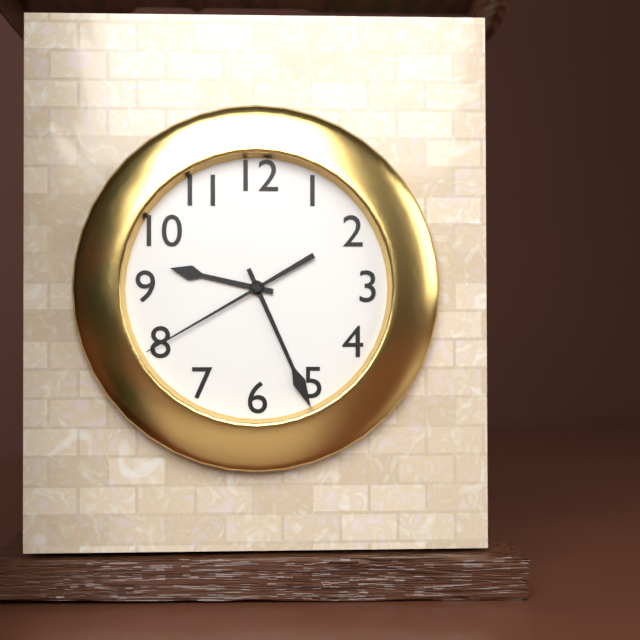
{"hour": 9, "minute": 26, "second": 40}
